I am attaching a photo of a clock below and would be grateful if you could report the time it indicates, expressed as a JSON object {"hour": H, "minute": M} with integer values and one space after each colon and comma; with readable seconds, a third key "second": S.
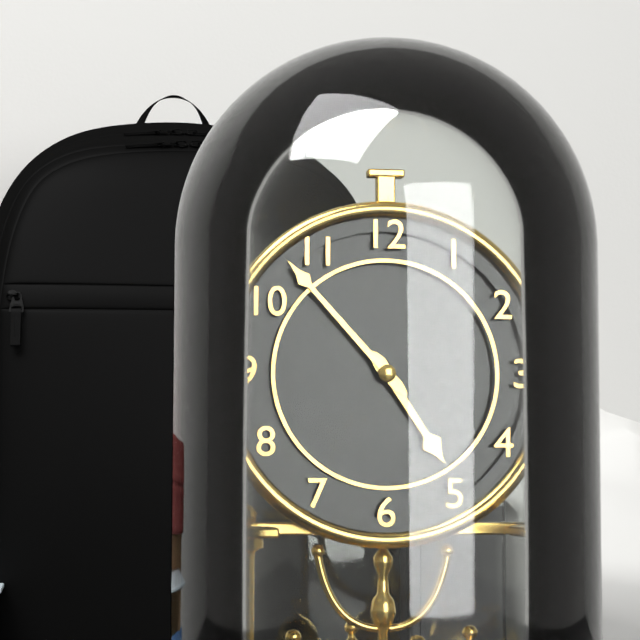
{"hour": 4, "minute": 53}
